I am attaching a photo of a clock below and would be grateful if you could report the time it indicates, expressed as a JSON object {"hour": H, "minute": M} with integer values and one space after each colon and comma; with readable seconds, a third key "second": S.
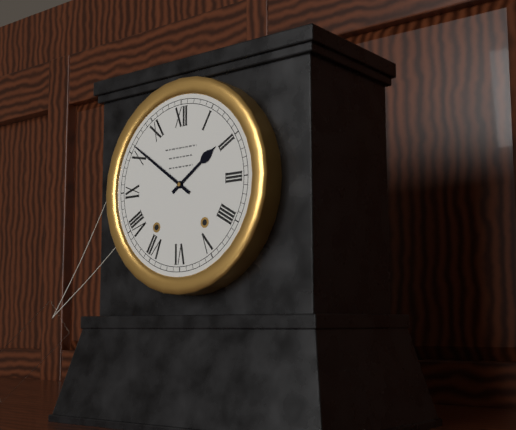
{"hour": 1, "minute": 51}
